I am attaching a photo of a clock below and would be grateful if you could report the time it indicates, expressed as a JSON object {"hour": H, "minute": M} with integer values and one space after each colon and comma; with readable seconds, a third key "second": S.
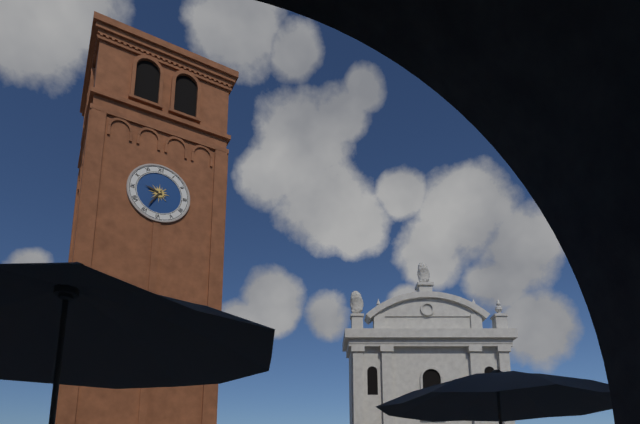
{"hour": 9, "minute": 35}
